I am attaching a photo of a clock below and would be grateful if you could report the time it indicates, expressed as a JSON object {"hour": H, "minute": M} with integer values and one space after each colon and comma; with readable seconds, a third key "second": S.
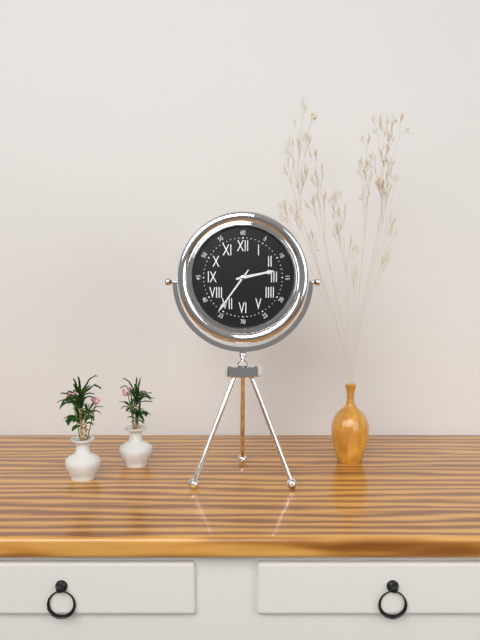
{"hour": 2, "minute": 36}
